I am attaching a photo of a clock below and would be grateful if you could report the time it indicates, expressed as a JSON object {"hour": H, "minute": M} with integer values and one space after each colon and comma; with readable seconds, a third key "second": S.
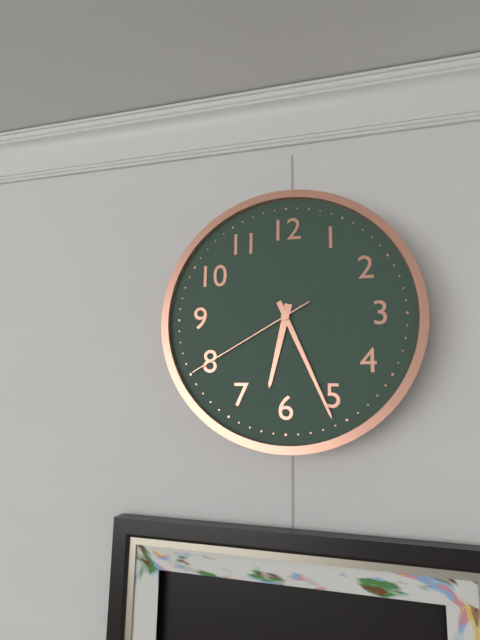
{"hour": 6, "minute": 26, "second": 40}
